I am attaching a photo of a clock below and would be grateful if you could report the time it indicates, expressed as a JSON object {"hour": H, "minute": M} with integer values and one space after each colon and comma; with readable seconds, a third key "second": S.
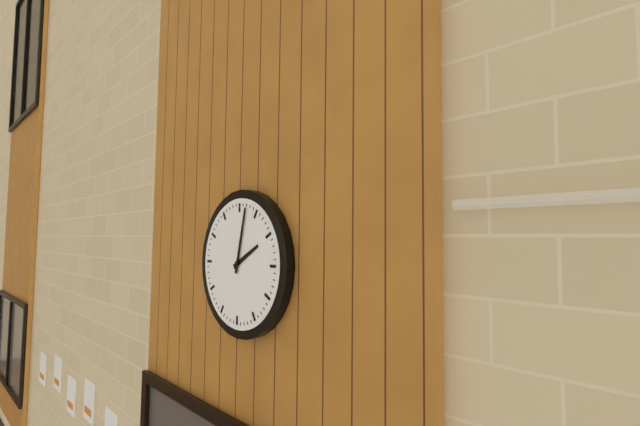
{"hour": 2, "minute": 2}
